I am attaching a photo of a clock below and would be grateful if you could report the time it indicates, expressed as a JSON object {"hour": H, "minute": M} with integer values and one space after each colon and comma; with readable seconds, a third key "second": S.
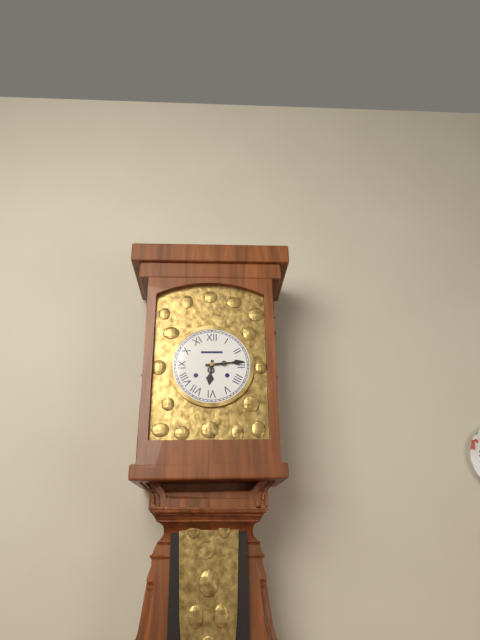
{"hour": 6, "minute": 14}
